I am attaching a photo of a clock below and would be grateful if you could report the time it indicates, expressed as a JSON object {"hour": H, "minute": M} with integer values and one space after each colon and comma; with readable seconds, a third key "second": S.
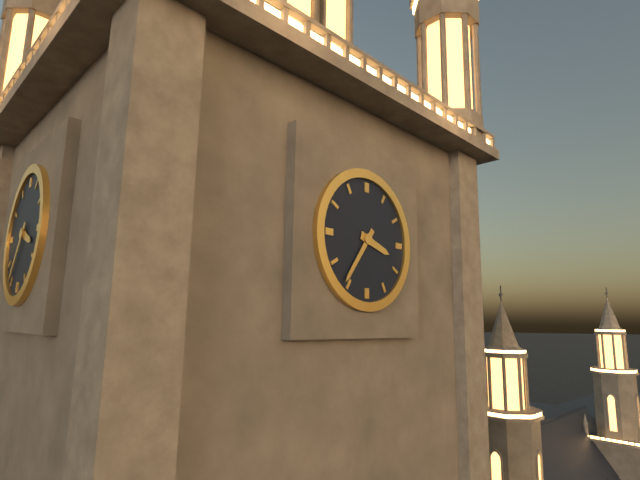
{"hour": 3, "minute": 36}
